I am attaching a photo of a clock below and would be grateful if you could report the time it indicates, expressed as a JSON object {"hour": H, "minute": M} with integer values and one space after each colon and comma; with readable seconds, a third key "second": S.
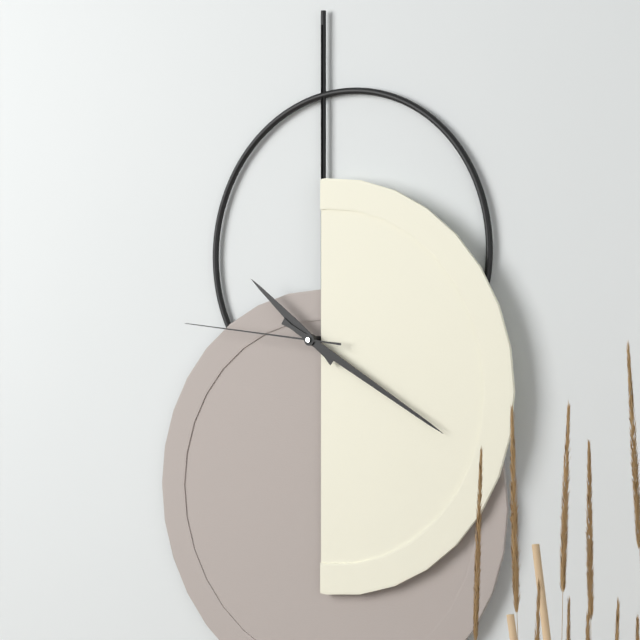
{"hour": 10, "minute": 20, "second": 46}
